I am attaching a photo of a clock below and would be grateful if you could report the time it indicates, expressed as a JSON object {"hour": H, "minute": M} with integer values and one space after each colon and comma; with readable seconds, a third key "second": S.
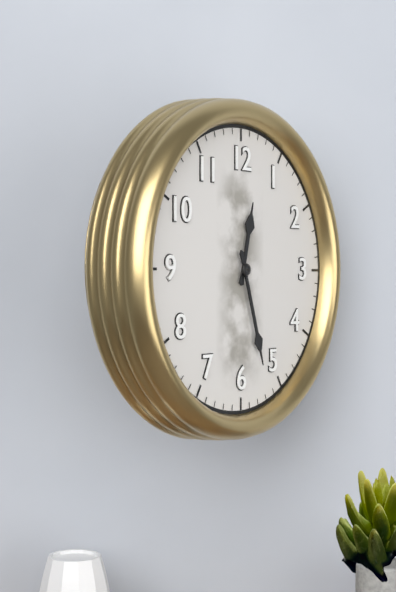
{"hour": 12, "minute": 27}
